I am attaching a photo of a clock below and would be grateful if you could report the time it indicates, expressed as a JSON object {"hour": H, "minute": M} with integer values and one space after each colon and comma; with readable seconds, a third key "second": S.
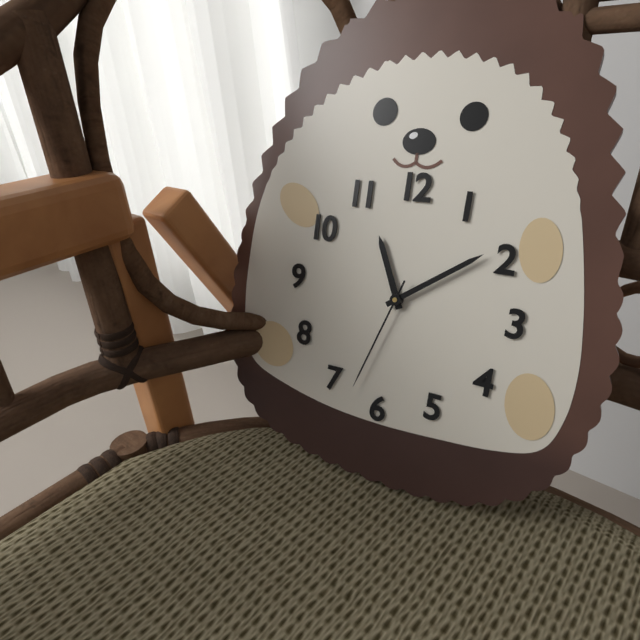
{"hour": 11, "minute": 9, "second": 33}
